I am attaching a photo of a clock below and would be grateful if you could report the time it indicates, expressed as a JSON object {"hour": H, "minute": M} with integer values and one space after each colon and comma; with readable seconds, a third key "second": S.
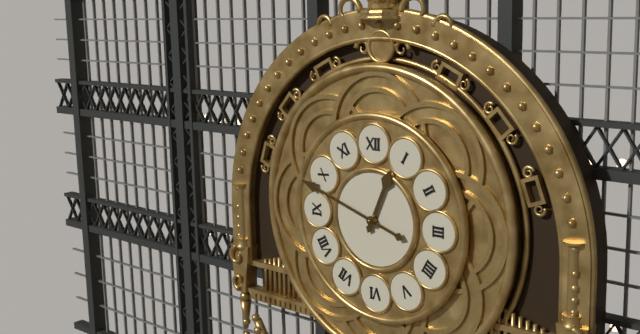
{"hour": 12, "minute": 48}
